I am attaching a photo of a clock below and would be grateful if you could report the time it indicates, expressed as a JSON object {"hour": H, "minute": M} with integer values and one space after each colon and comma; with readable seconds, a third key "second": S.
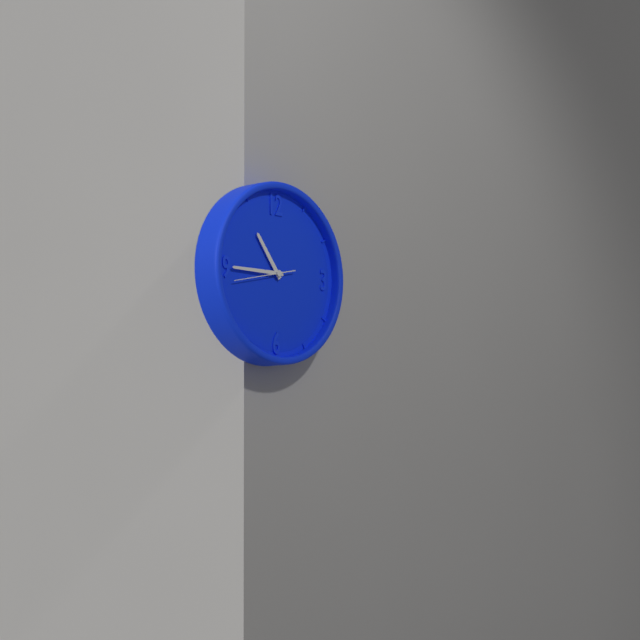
{"hour": 10, "minute": 45, "second": 43}
